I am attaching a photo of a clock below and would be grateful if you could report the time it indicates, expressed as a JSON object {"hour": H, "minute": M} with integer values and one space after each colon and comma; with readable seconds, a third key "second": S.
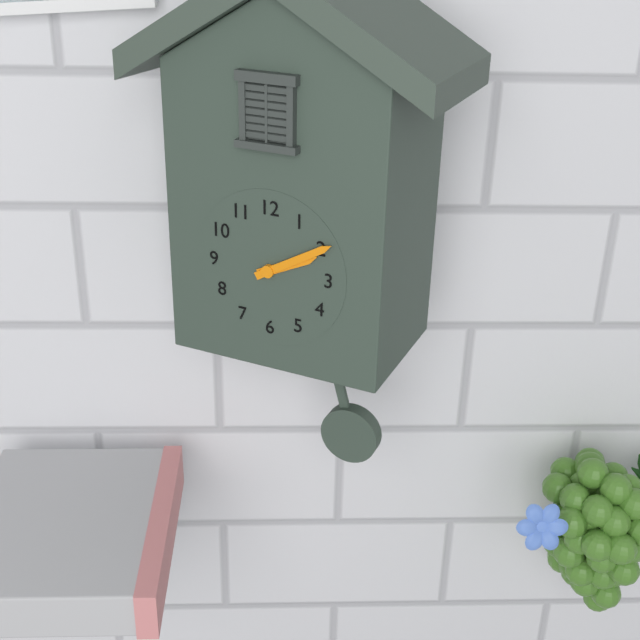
{"hour": 2, "minute": 10}
